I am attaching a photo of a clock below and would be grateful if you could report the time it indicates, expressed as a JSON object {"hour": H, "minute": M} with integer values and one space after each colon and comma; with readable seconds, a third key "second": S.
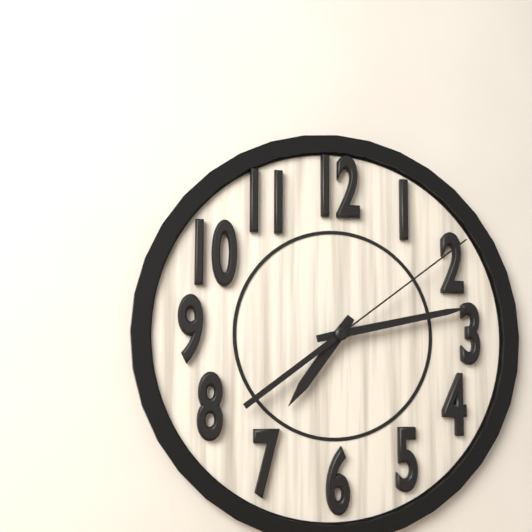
{"hour": 7, "minute": 13, "second": 9}
